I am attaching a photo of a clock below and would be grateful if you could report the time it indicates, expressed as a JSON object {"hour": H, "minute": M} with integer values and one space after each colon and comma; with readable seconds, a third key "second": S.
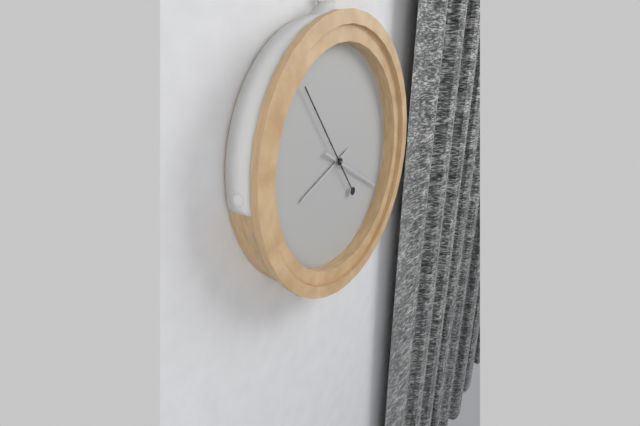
{"hour": 8, "minute": 20, "second": 54}
